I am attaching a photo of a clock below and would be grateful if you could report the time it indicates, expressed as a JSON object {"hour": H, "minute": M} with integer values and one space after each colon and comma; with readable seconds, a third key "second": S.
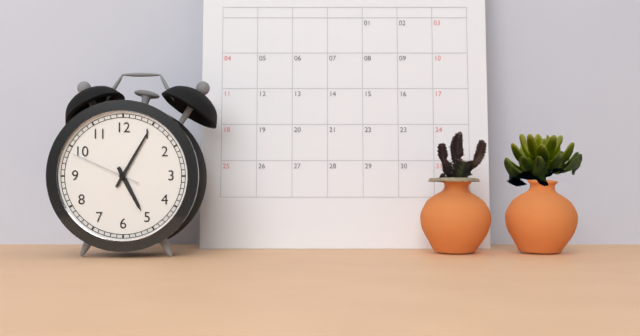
{"hour": 5, "minute": 5, "second": 49}
